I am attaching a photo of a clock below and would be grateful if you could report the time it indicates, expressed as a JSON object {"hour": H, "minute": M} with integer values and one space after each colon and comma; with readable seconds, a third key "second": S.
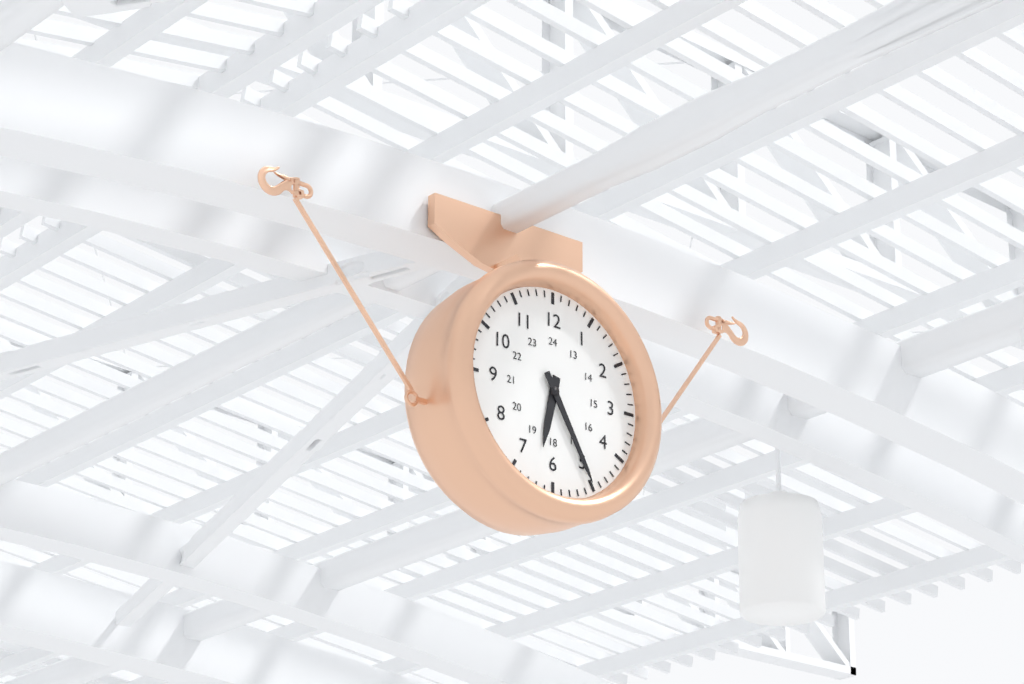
{"hour": 6, "minute": 25}
